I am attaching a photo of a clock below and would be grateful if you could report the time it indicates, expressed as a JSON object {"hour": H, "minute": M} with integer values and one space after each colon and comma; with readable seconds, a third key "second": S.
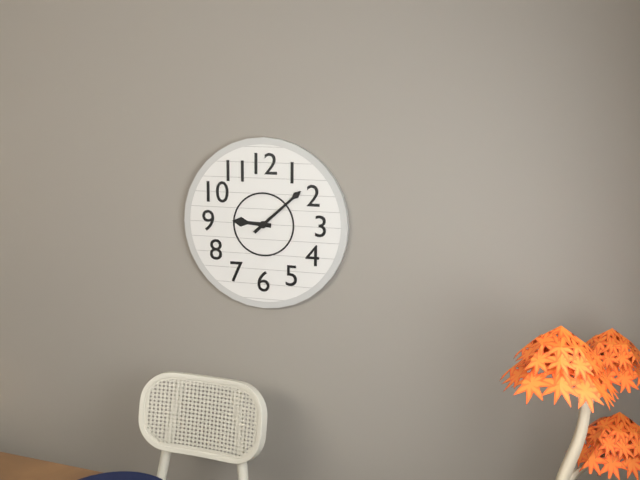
{"hour": 9, "minute": 8}
